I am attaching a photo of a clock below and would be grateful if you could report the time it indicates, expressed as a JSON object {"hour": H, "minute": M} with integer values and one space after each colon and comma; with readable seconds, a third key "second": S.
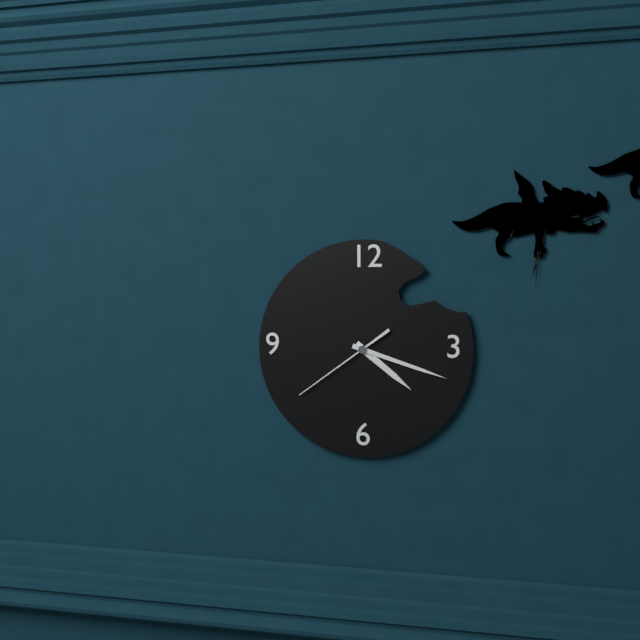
{"hour": 4, "minute": 18, "second": 39}
